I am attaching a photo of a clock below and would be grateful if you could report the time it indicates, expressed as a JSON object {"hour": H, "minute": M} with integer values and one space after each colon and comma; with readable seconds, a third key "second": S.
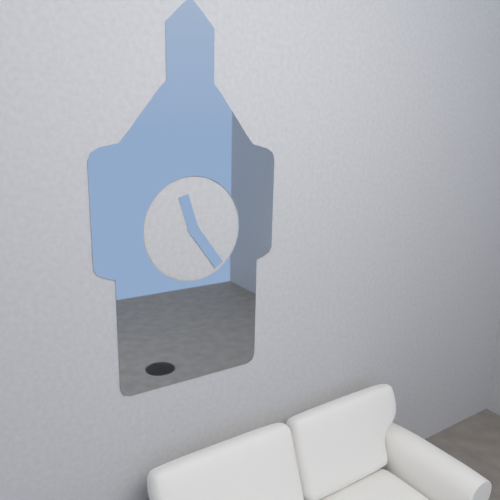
{"hour": 11, "minute": 24}
